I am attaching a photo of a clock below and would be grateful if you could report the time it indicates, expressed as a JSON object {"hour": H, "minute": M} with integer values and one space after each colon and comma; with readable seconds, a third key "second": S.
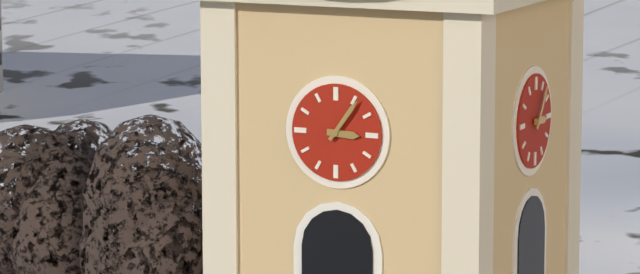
{"hour": 3, "minute": 6}
